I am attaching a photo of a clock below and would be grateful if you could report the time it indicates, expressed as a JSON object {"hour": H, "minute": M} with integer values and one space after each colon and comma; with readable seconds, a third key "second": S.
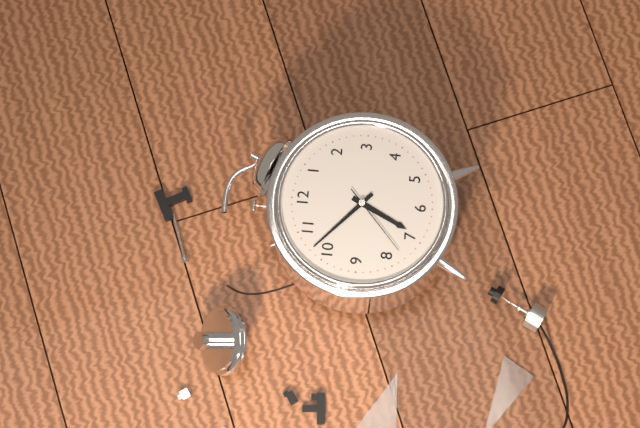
{"hour": 6, "minute": 52, "second": 38}
